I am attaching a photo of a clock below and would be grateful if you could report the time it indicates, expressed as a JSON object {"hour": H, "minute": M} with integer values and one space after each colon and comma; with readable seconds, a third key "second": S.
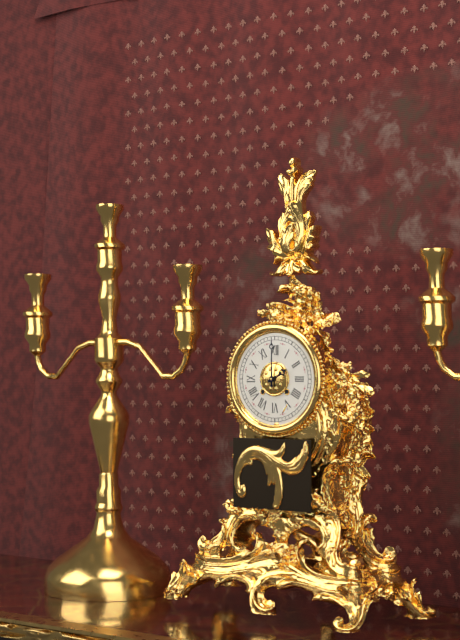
{"hour": 2, "minute": 0}
